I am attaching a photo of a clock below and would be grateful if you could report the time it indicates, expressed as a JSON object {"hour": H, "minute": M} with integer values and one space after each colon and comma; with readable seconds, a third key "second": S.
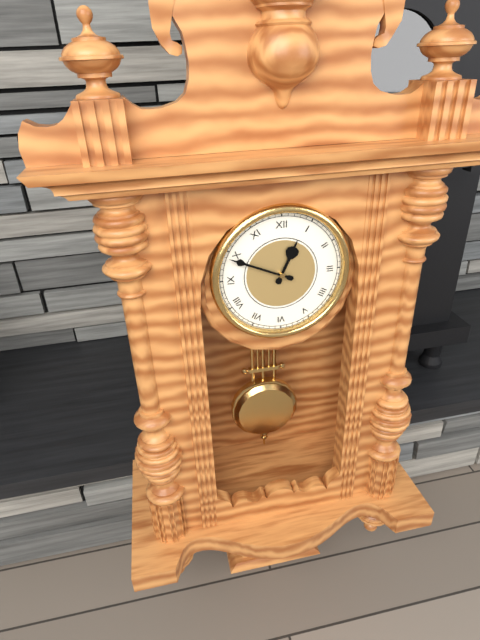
{"hour": 12, "minute": 49}
